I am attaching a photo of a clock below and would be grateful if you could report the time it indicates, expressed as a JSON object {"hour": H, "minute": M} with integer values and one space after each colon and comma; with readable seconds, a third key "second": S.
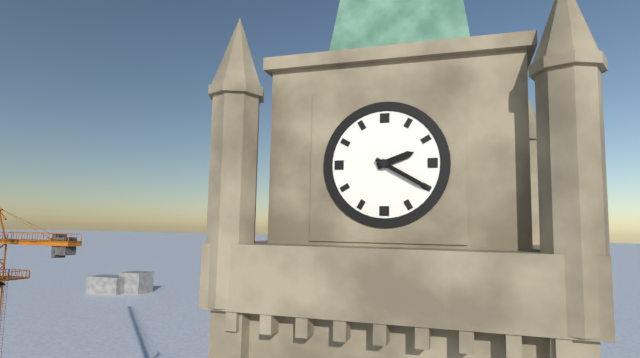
{"hour": 2, "minute": 20}
